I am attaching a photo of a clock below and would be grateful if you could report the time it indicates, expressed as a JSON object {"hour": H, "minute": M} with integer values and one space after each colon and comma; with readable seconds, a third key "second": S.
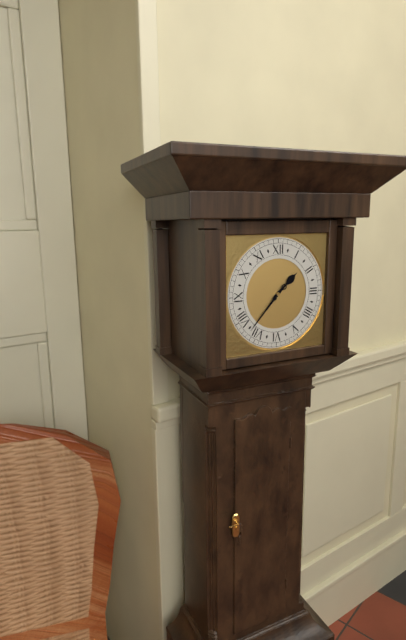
{"hour": 1, "minute": 37}
